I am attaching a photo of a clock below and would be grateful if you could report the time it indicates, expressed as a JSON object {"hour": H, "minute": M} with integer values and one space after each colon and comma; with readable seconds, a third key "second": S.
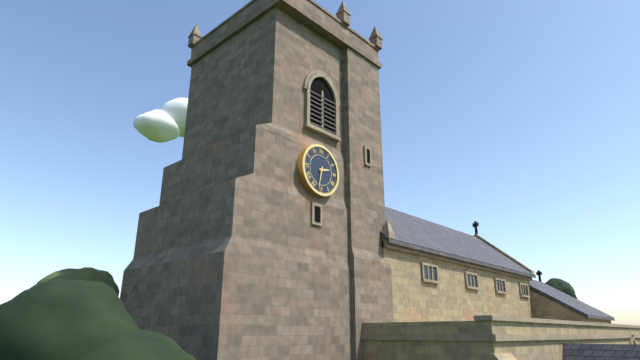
{"hour": 2, "minute": 32}
